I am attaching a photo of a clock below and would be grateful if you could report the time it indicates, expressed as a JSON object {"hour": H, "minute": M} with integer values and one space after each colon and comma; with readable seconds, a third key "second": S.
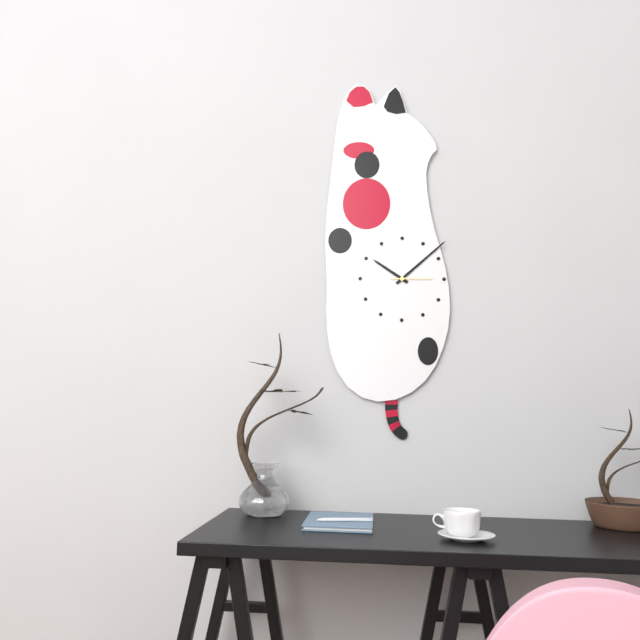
{"hour": 10, "minute": 8}
